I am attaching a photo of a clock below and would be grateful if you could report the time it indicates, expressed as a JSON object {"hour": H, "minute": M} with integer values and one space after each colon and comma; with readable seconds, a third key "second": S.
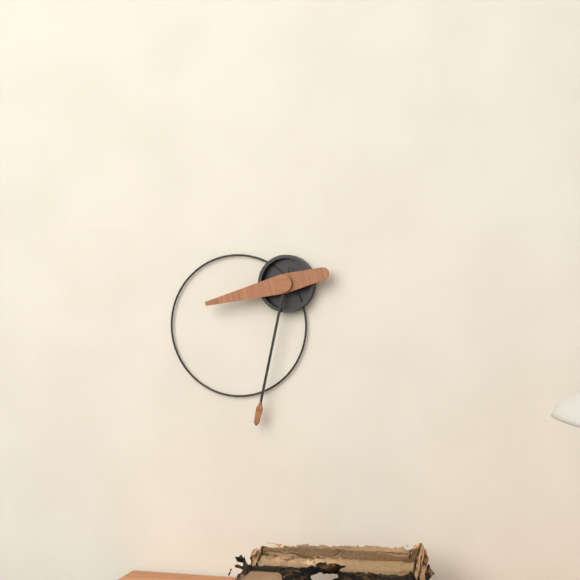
{"hour": 8, "minute": 32}
